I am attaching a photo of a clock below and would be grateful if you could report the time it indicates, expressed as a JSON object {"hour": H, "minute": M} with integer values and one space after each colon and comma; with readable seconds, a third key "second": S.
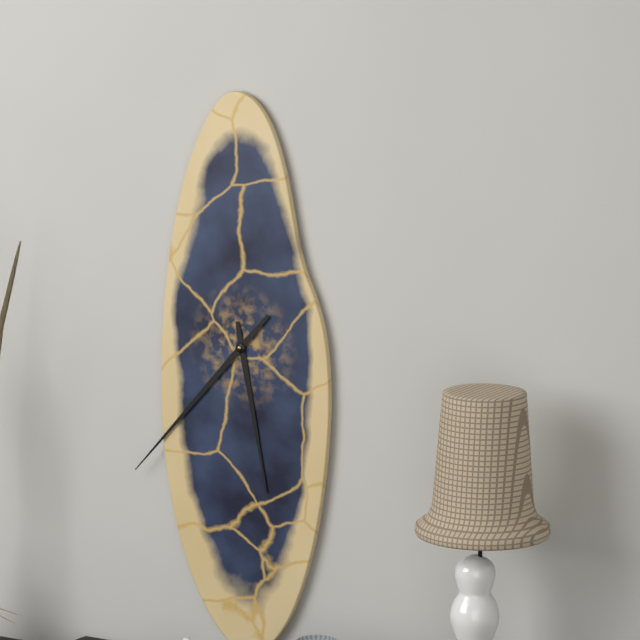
{"hour": 5, "minute": 37}
